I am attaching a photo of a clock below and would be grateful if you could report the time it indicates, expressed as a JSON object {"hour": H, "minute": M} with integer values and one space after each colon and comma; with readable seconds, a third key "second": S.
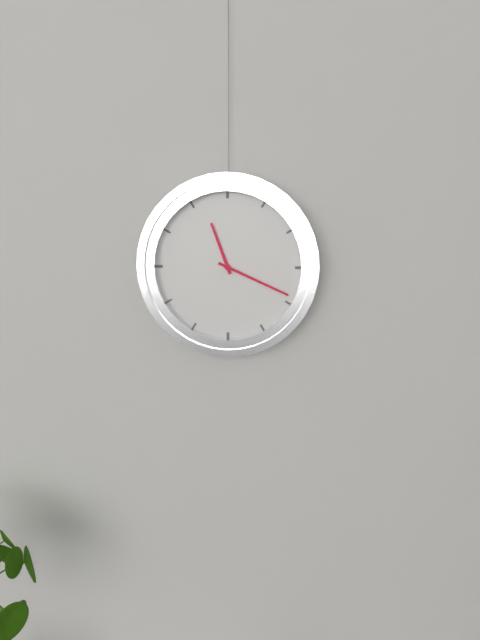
{"hour": 11, "minute": 19}
